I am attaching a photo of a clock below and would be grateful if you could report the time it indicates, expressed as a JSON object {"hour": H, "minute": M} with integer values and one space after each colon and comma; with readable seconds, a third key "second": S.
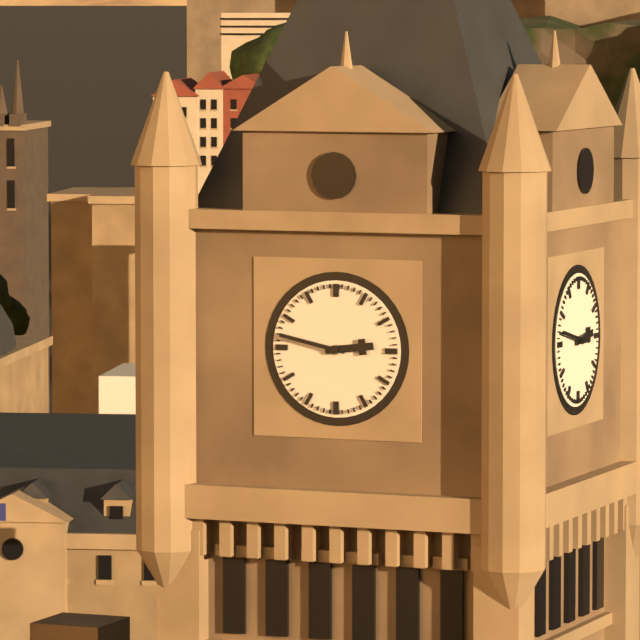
{"hour": 2, "minute": 47}
